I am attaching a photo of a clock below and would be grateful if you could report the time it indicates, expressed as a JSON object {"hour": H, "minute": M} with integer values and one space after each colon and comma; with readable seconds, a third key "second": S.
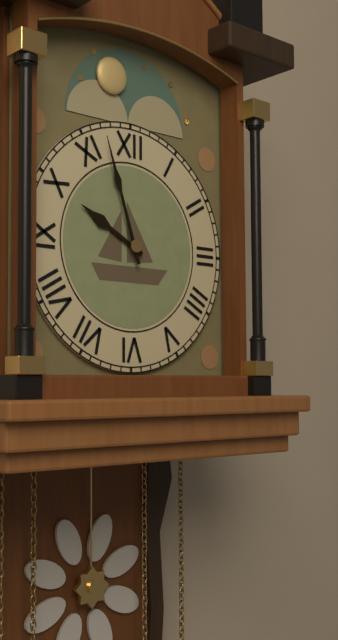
{"hour": 9, "minute": 57}
